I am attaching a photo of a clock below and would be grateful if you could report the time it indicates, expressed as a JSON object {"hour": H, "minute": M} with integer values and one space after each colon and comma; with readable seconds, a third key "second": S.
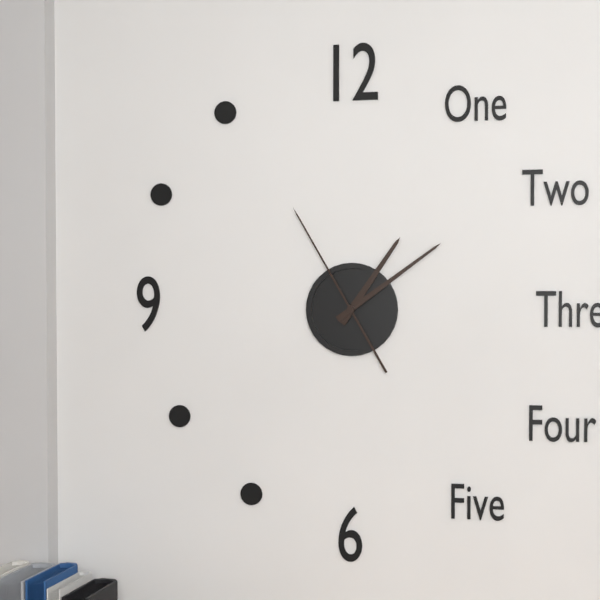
{"hour": 1, "minute": 9, "second": 55}
